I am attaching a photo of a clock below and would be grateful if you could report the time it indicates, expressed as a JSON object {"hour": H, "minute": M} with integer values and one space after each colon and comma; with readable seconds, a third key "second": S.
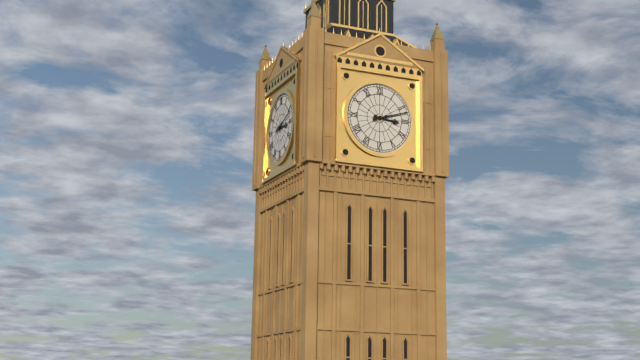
{"hour": 3, "minute": 12}
